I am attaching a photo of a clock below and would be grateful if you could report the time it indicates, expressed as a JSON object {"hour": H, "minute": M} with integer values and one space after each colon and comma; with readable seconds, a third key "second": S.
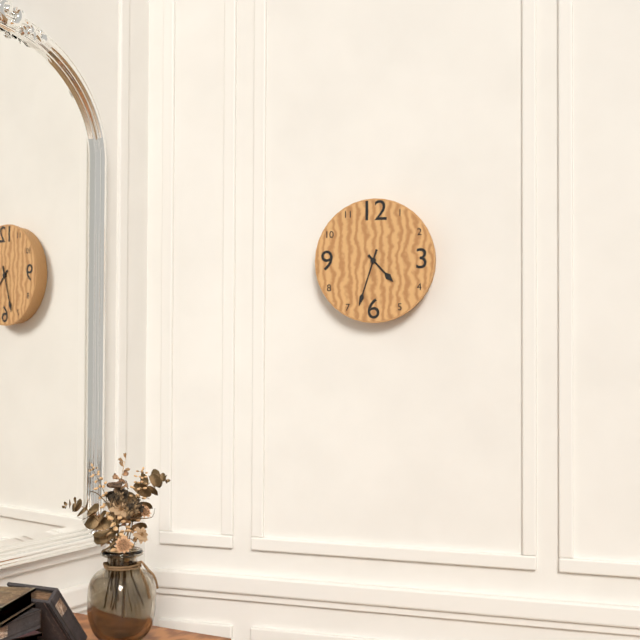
{"hour": 4, "minute": 33}
